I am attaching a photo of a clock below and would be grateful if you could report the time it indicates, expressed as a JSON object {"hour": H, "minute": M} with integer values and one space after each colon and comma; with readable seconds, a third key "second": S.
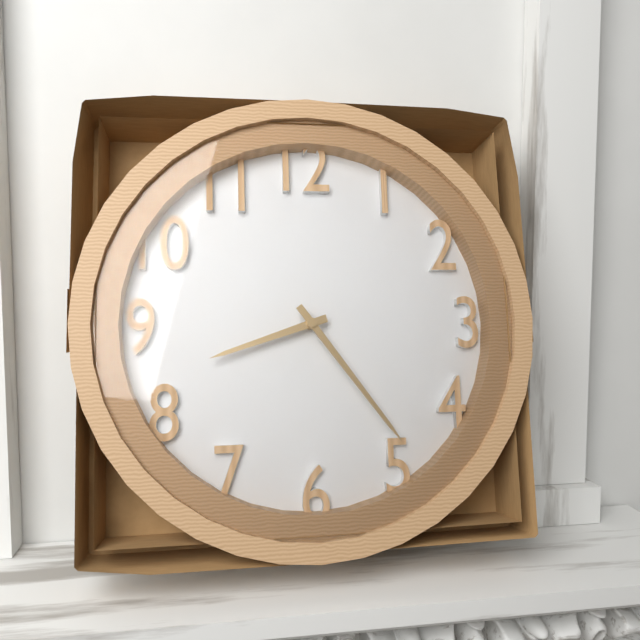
{"hour": 8, "minute": 24}
